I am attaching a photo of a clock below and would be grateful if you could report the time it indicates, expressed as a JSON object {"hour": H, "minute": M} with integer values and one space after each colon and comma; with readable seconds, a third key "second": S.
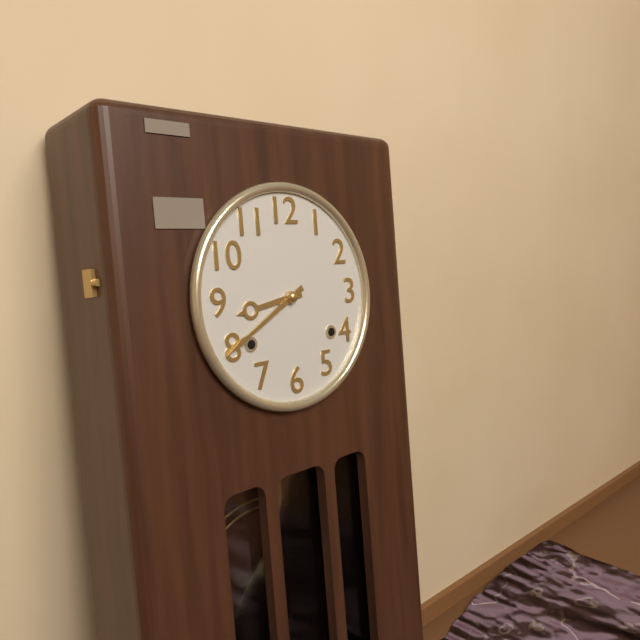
{"hour": 8, "minute": 40}
